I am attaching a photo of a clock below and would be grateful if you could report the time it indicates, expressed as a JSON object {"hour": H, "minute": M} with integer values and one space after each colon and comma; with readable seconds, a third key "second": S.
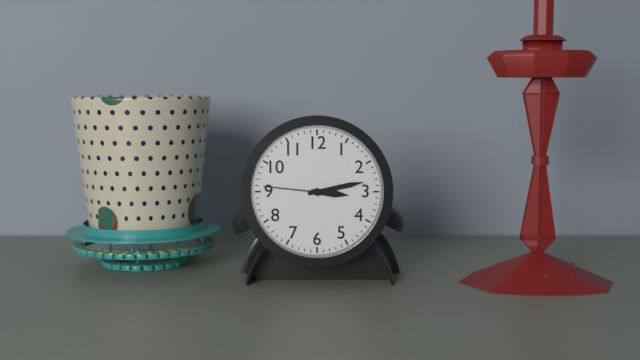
{"hour": 3, "minute": 13, "second": 46}
